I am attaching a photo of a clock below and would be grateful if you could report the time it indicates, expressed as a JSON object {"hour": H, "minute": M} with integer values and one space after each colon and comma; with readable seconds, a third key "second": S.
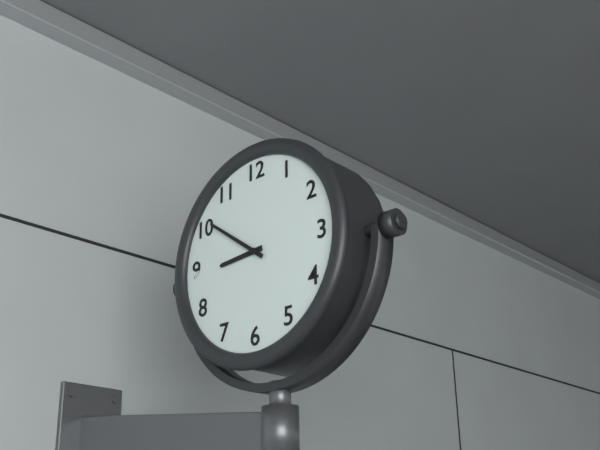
{"hour": 8, "minute": 51}
